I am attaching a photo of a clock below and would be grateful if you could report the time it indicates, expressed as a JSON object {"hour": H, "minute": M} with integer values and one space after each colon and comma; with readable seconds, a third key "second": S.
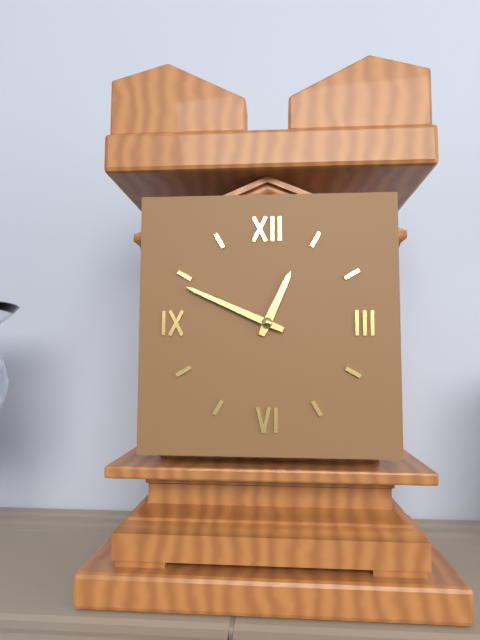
{"hour": 12, "minute": 49}
